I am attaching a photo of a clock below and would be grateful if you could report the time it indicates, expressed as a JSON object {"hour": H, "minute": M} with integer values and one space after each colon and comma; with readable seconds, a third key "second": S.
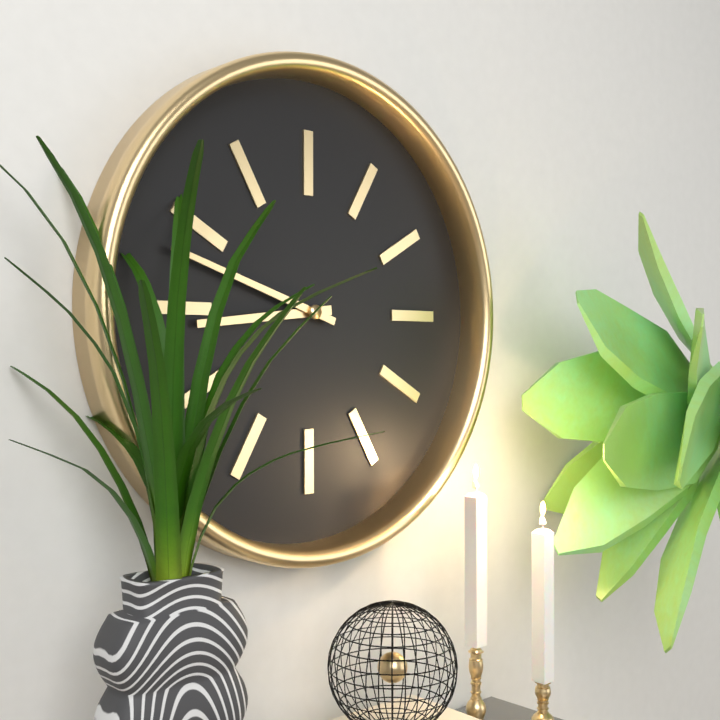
{"hour": 8, "minute": 48}
